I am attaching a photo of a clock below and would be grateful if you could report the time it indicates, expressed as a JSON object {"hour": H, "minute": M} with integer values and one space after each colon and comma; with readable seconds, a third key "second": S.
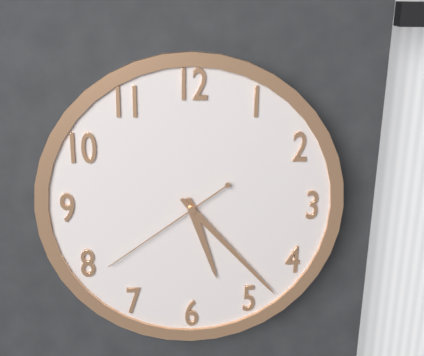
{"hour": 5, "minute": 23, "second": 39}
